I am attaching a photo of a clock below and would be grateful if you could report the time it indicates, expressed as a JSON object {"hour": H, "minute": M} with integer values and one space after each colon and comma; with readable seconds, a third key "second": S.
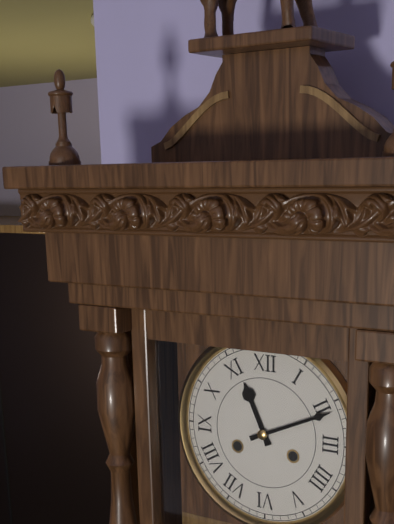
{"hour": 11, "minute": 11}
